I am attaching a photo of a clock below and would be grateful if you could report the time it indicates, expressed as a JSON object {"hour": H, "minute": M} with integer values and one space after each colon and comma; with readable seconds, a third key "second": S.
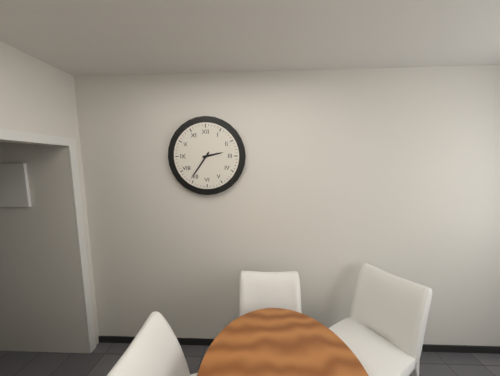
{"hour": 2, "minute": 36}
